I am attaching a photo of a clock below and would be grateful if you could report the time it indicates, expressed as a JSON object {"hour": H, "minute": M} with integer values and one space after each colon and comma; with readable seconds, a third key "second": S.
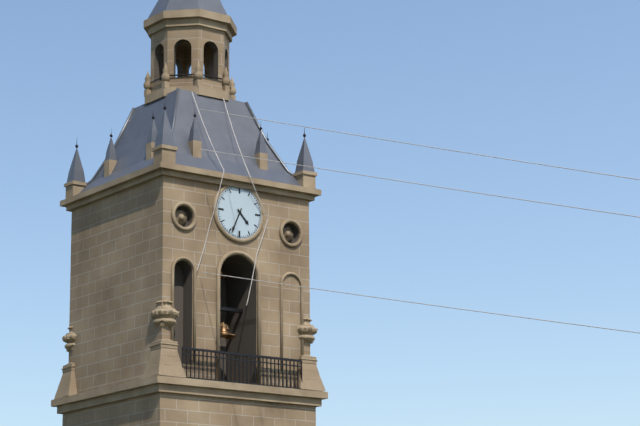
{"hour": 4, "minute": 34}
